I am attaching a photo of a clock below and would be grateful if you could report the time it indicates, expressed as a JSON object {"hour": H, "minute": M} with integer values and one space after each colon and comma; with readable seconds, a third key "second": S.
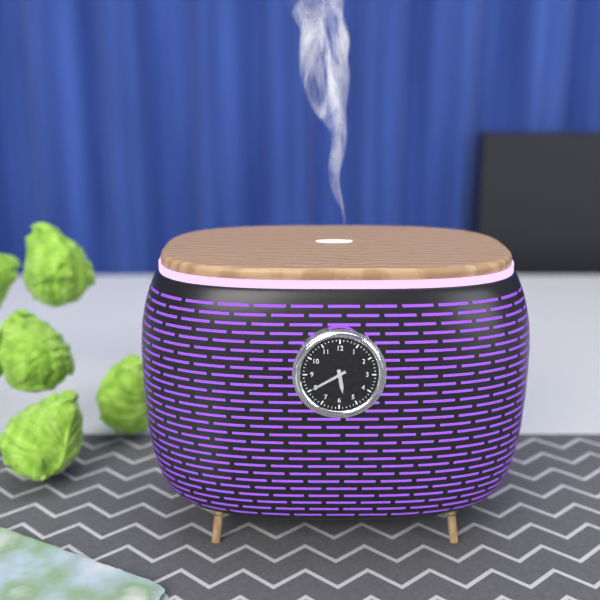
{"hour": 5, "minute": 40}
